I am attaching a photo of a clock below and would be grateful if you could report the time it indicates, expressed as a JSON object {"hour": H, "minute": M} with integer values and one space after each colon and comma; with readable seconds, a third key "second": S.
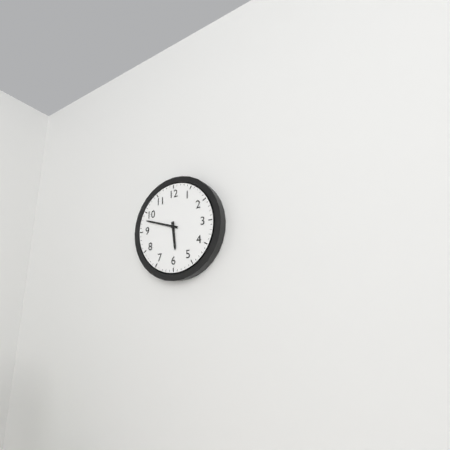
{"hour": 5, "minute": 48}
